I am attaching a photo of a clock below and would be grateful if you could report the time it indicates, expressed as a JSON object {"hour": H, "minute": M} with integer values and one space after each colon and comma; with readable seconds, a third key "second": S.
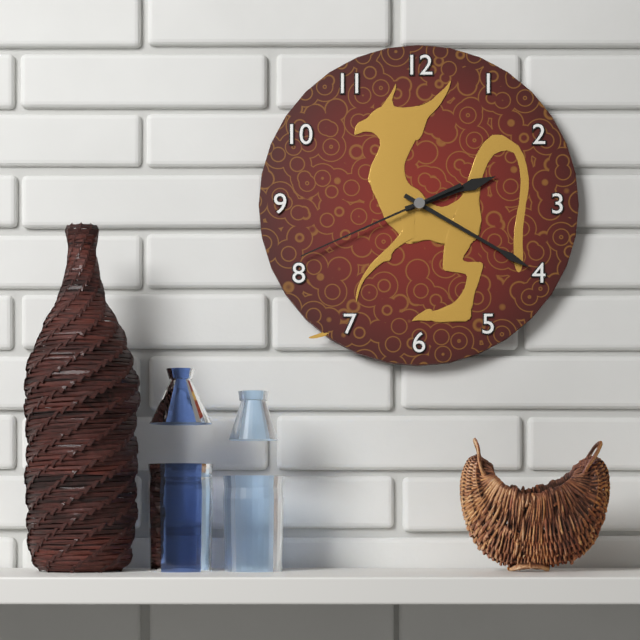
{"hour": 2, "minute": 20, "second": 41}
